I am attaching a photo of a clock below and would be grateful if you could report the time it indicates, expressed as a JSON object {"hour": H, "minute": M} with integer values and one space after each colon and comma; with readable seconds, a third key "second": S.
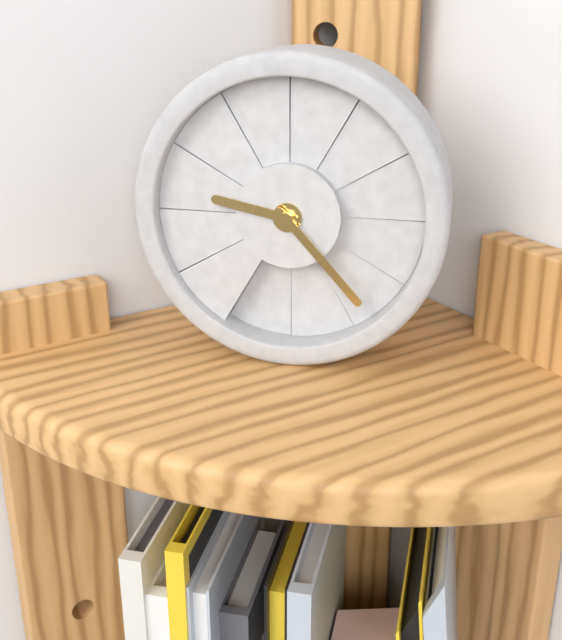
{"hour": 9, "minute": 23}
